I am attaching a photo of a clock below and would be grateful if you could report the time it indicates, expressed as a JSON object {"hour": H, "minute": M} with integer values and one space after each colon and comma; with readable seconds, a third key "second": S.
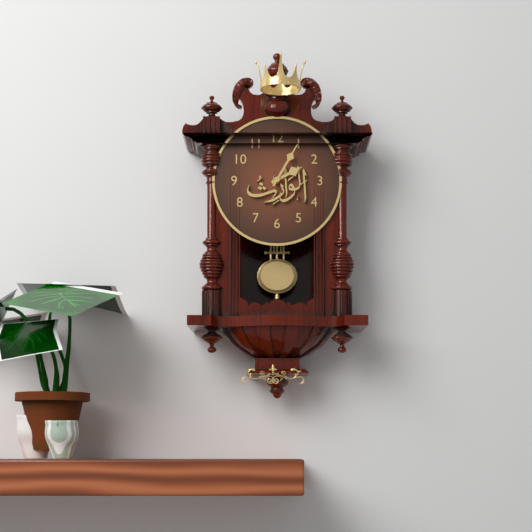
{"hour": 2, "minute": 5}
